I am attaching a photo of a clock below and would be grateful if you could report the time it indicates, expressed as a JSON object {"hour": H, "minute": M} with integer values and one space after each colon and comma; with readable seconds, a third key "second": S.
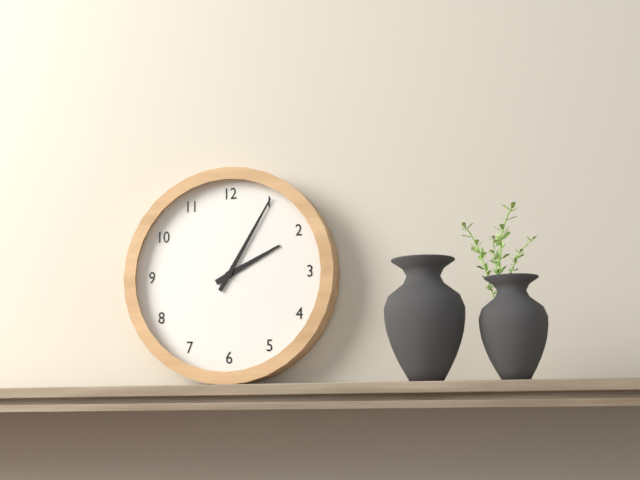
{"hour": 2, "minute": 5}
